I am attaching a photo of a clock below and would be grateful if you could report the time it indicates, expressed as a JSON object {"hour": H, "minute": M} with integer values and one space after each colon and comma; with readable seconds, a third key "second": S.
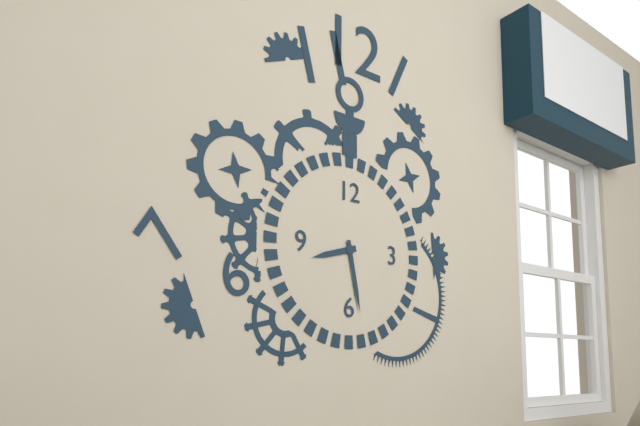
{"hour": 8, "minute": 28}
